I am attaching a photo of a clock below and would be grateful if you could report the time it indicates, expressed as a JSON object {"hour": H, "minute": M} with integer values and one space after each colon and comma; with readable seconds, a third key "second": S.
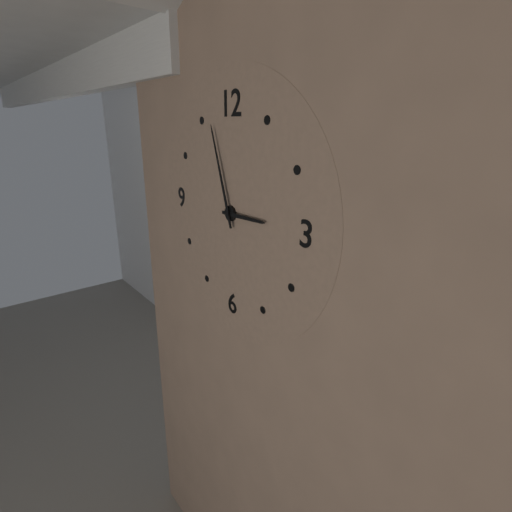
{"hour": 2, "minute": 57}
